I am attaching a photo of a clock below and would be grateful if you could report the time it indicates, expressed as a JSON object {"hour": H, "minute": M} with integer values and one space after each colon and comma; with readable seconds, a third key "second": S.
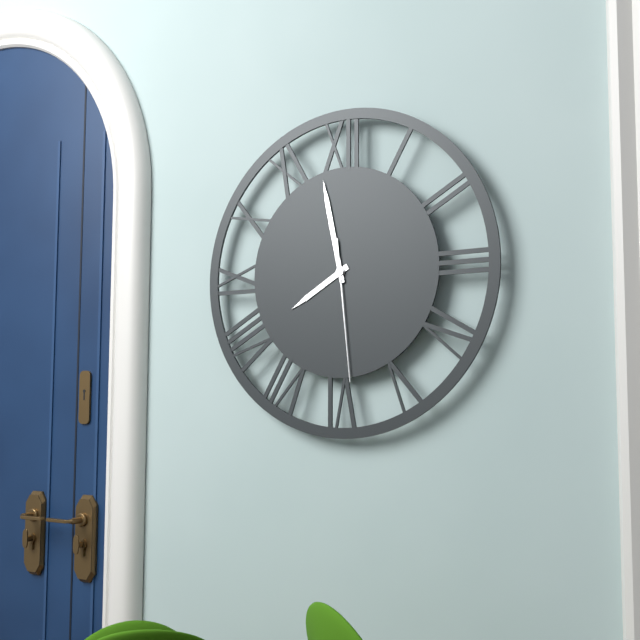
{"hour": 7, "minute": 58, "second": 29}
